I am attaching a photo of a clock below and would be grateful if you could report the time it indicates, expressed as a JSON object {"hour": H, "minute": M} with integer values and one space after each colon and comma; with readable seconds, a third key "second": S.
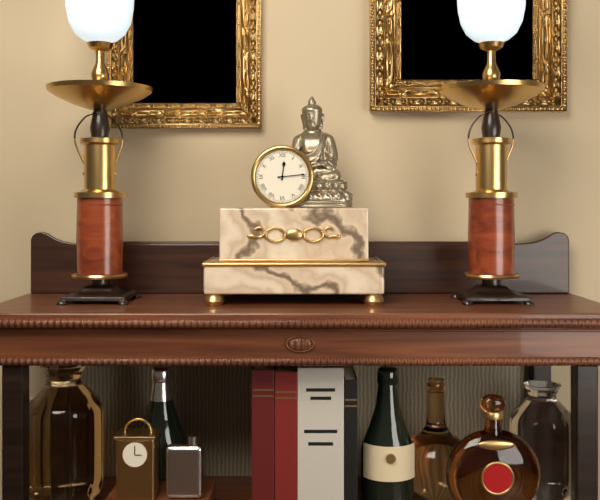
{"hour": 12, "minute": 14}
